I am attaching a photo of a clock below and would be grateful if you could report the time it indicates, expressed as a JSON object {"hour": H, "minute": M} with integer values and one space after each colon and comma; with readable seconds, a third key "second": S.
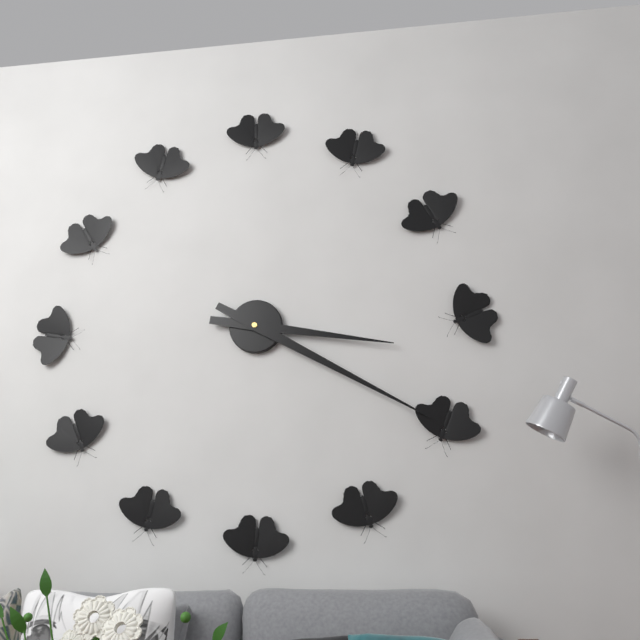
{"hour": 3, "minute": 20}
